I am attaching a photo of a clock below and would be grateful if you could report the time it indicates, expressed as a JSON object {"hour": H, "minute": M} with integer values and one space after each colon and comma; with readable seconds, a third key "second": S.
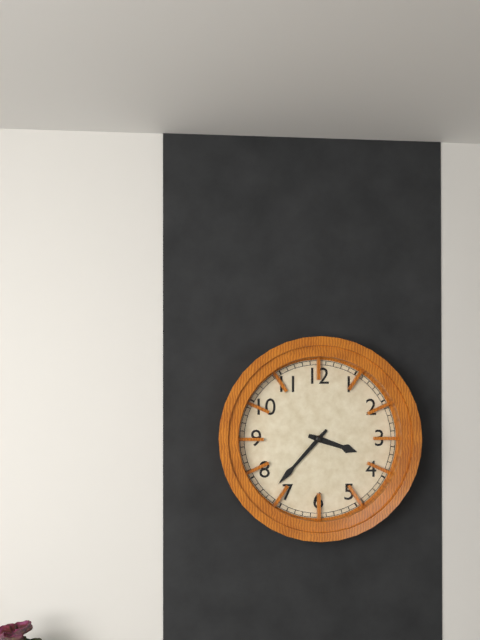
{"hour": 3, "minute": 37}
